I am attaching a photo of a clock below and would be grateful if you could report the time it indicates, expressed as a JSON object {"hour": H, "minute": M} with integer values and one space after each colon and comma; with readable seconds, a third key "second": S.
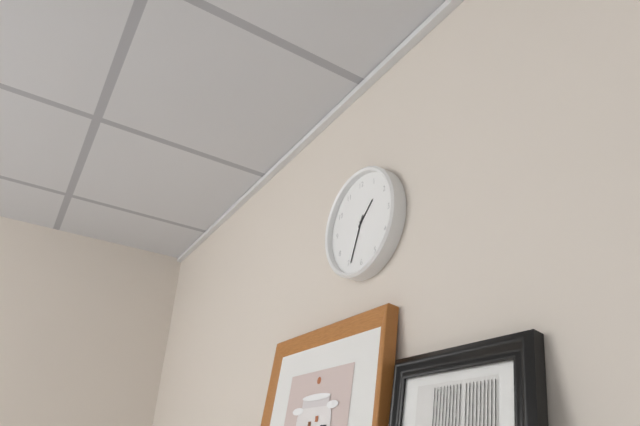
{"hour": 1, "minute": 34}
